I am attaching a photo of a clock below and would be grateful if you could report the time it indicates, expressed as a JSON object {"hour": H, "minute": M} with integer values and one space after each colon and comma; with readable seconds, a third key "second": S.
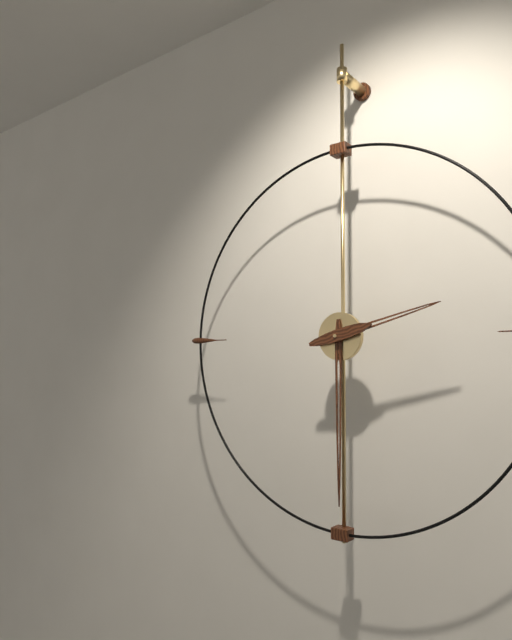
{"hour": 2, "minute": 30}
